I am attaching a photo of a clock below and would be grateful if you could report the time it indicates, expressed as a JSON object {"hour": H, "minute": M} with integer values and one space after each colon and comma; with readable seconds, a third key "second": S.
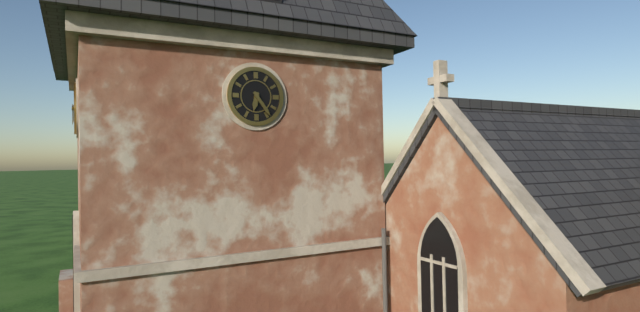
{"hour": 6, "minute": 24}
